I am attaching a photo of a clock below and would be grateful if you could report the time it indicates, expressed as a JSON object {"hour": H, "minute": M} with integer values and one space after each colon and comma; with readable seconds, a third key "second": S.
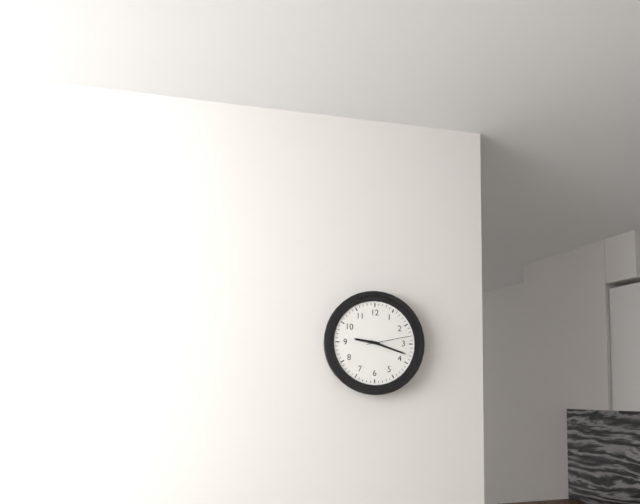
{"hour": 9, "minute": 18}
